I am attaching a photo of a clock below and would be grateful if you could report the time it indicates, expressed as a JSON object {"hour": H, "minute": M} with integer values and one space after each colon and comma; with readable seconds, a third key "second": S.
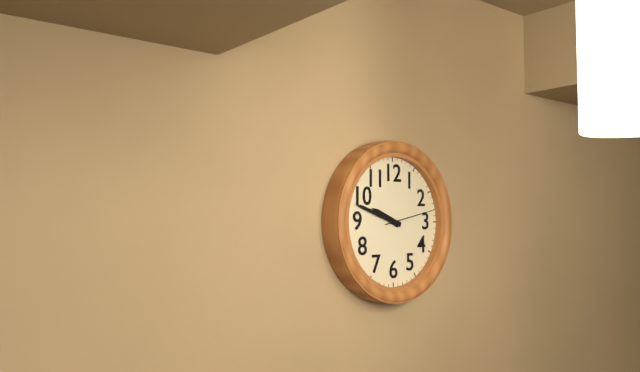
{"hour": 9, "minute": 48, "second": 13}
